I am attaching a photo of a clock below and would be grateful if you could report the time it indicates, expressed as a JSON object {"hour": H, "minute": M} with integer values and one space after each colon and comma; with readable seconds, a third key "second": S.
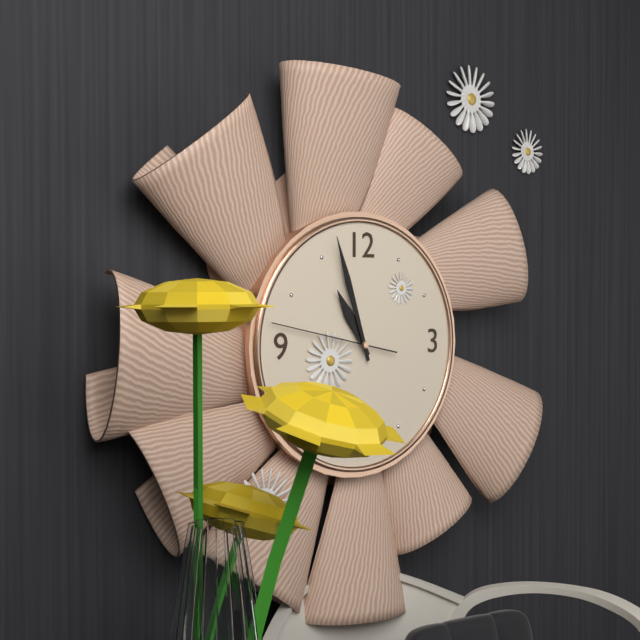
{"hour": 10, "minute": 57, "second": 47}
